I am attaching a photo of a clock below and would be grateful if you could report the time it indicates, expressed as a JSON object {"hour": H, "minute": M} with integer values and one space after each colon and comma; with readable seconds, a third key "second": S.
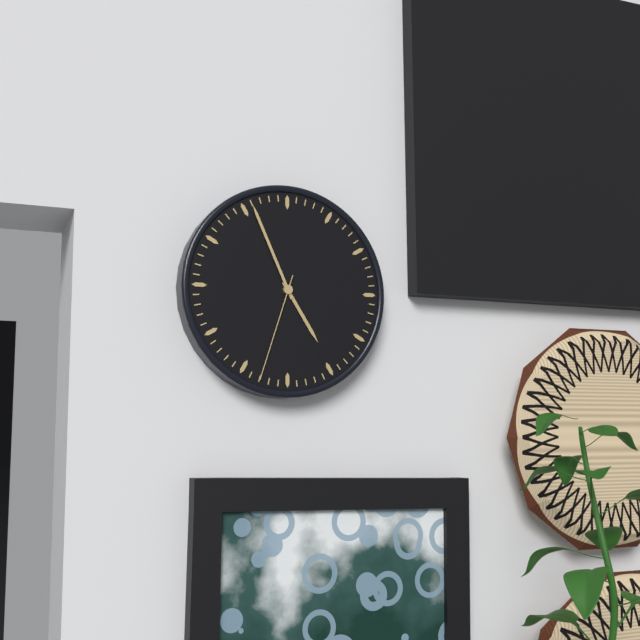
{"hour": 4, "minute": 56, "second": 33}
